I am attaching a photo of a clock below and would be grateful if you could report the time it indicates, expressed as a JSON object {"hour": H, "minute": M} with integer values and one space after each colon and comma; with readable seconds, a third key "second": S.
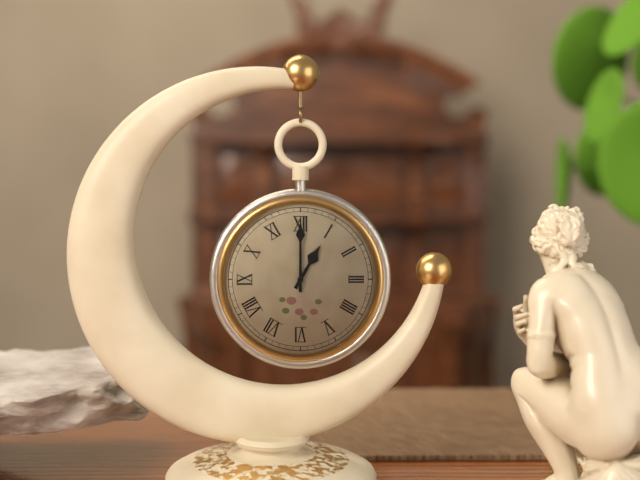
{"hour": 1, "minute": 0}
